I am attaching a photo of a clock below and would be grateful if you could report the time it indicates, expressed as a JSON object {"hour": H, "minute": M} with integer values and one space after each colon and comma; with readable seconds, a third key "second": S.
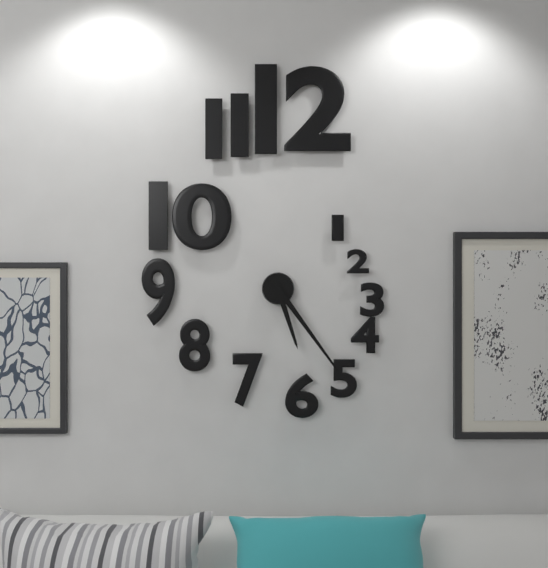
{"hour": 5, "minute": 24}
